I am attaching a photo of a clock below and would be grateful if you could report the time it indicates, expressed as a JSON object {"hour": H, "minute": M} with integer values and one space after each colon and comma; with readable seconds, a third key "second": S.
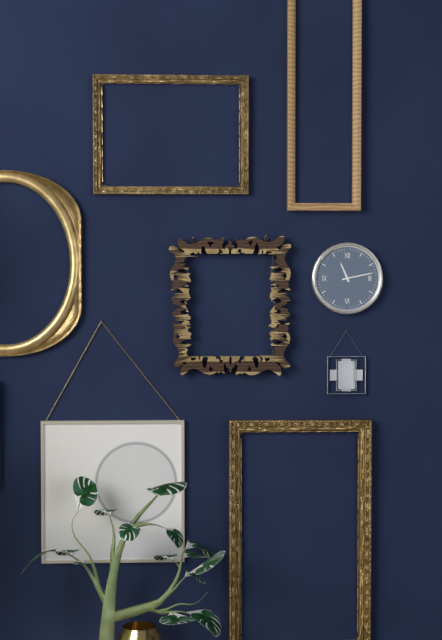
{"hour": 11, "minute": 13}
